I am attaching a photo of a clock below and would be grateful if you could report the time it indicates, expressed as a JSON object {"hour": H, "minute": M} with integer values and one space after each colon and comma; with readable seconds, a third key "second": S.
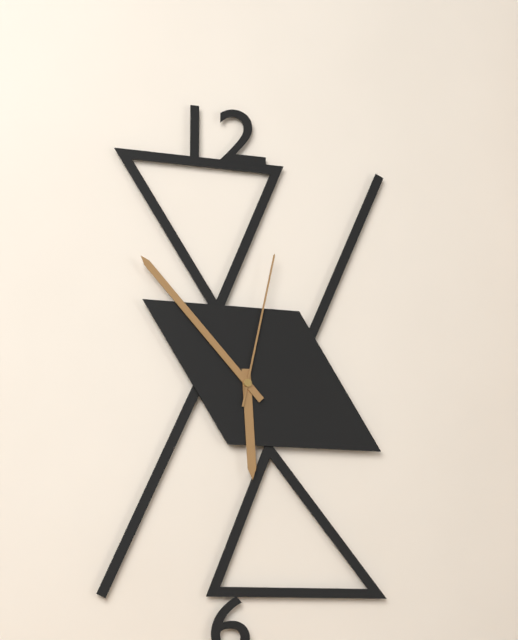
{"hour": 5, "minute": 53, "second": 2}
